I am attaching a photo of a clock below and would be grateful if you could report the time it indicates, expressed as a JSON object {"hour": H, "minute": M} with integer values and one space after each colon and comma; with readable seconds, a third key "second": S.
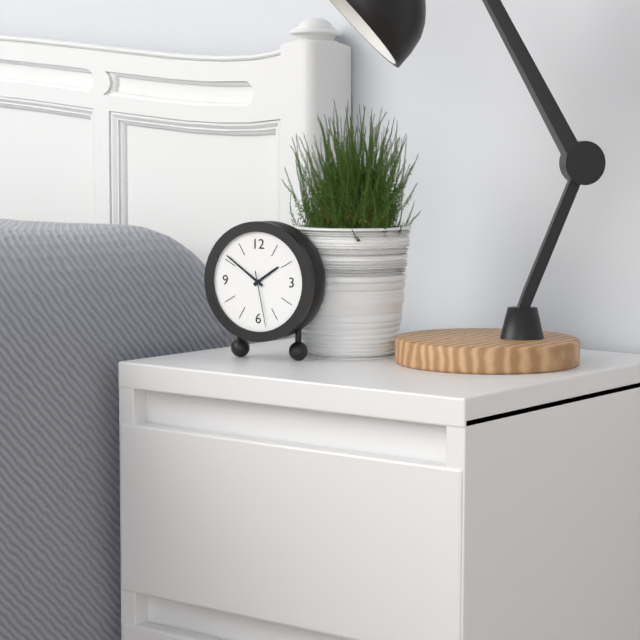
{"hour": 1, "minute": 51, "second": 28}
